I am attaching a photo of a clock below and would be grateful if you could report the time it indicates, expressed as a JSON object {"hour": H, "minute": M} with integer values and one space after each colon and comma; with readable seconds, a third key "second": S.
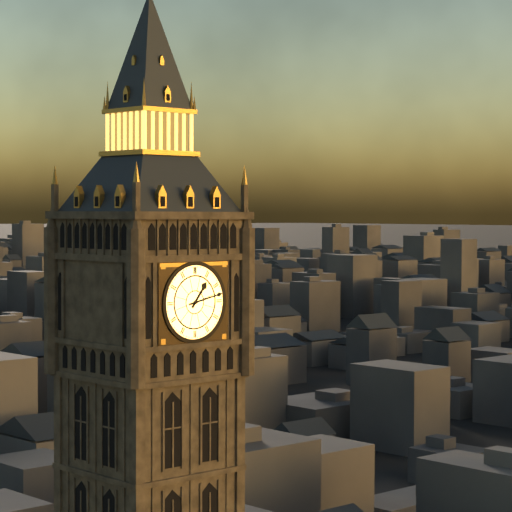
{"hour": 1, "minute": 13}
